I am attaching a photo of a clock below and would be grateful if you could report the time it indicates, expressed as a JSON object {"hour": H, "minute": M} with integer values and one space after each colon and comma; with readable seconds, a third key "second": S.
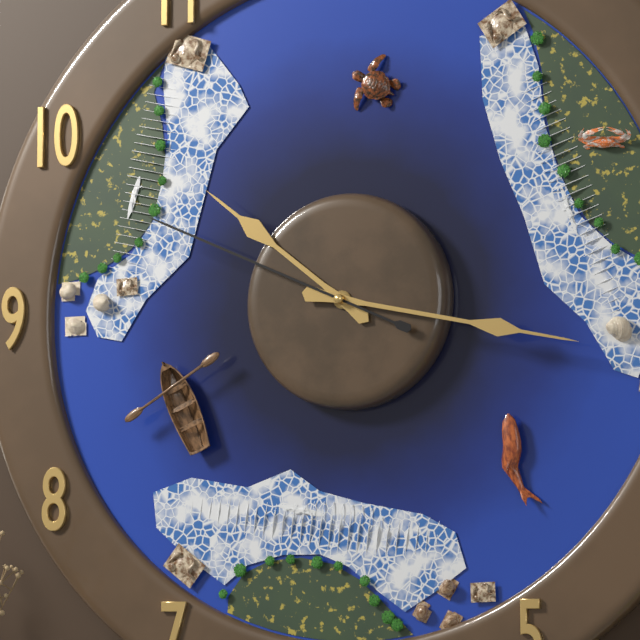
{"hour": 10, "minute": 17, "second": 49}
